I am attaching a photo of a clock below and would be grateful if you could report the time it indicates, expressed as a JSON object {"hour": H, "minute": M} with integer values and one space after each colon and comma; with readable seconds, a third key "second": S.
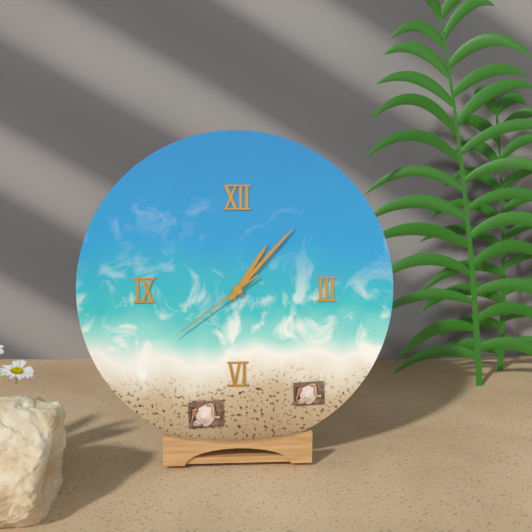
{"hour": 1, "minute": 7, "second": 39}
